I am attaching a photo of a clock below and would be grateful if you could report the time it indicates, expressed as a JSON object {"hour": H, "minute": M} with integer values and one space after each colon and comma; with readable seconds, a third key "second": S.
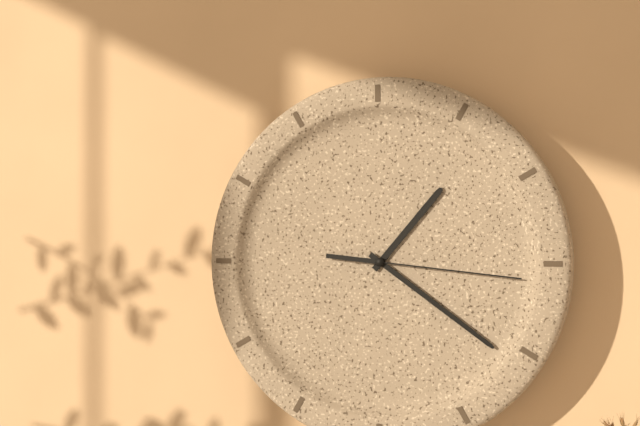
{"hour": 1, "minute": 21, "second": 16}
